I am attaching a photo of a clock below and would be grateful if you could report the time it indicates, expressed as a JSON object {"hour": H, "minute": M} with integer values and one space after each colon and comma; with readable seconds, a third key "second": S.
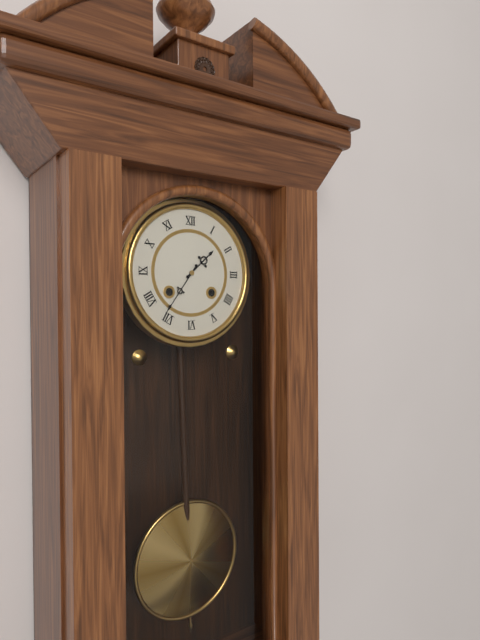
{"hour": 1, "minute": 36}
